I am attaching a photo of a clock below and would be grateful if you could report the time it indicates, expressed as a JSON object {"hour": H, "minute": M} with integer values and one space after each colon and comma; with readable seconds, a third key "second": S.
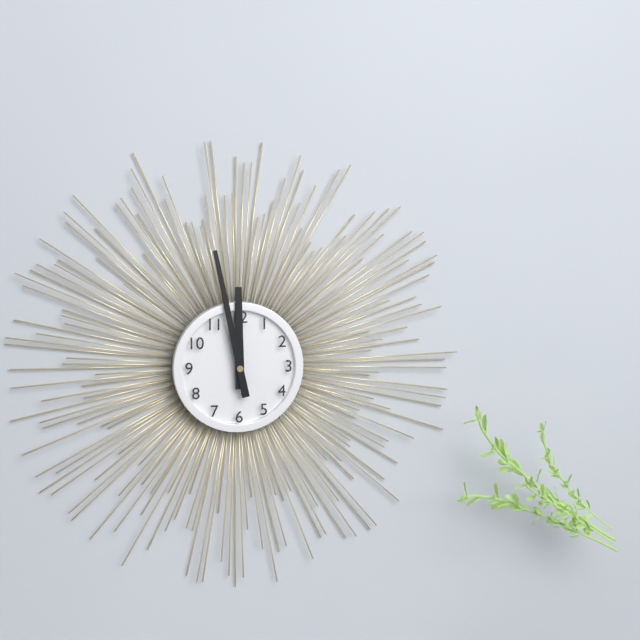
{"hour": 11, "minute": 58}
